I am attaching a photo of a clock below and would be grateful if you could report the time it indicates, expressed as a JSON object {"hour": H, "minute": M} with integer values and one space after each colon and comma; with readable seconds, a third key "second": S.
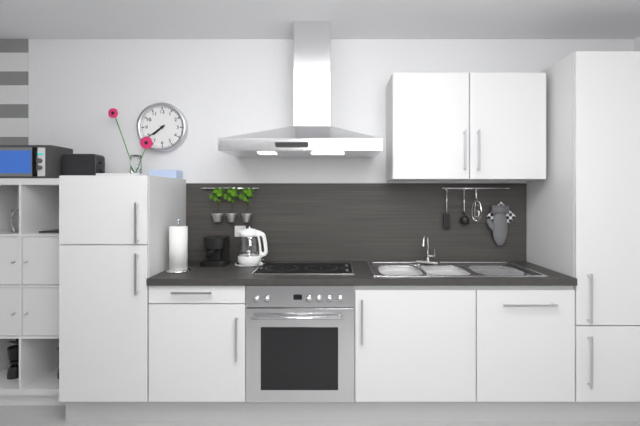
{"hour": 7, "minute": 39}
